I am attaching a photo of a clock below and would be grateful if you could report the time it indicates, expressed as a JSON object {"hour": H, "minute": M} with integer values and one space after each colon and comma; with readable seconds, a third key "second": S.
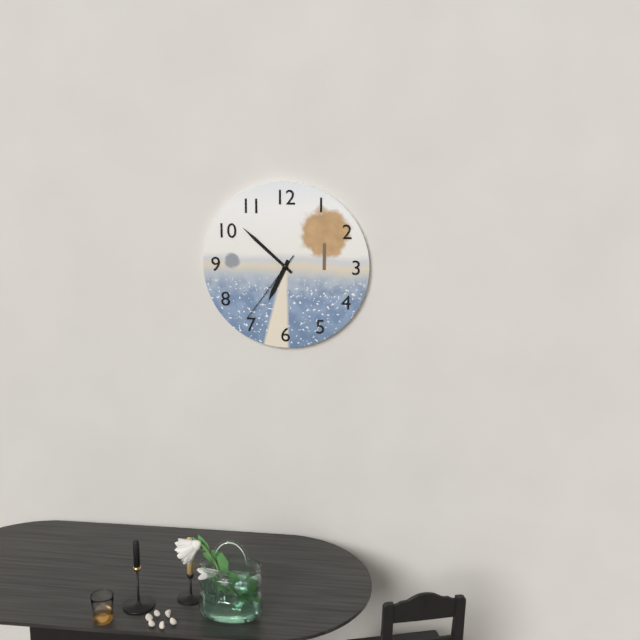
{"hour": 6, "minute": 52, "second": 36}
